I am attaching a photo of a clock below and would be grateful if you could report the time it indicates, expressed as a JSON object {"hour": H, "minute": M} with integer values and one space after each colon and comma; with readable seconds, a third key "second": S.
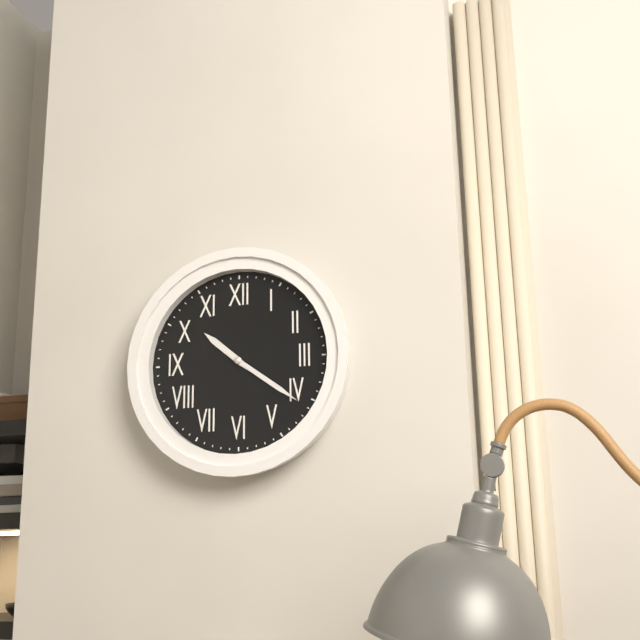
{"hour": 10, "minute": 21}
